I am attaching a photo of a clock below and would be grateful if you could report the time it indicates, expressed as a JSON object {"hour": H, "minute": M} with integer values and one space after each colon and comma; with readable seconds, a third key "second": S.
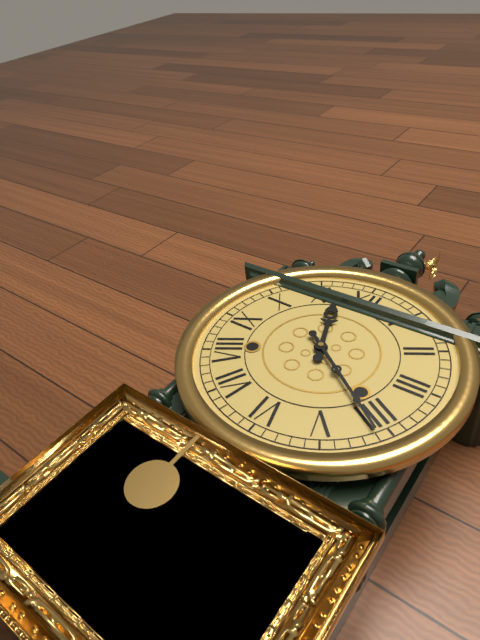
{"hour": 11, "minute": 21}
